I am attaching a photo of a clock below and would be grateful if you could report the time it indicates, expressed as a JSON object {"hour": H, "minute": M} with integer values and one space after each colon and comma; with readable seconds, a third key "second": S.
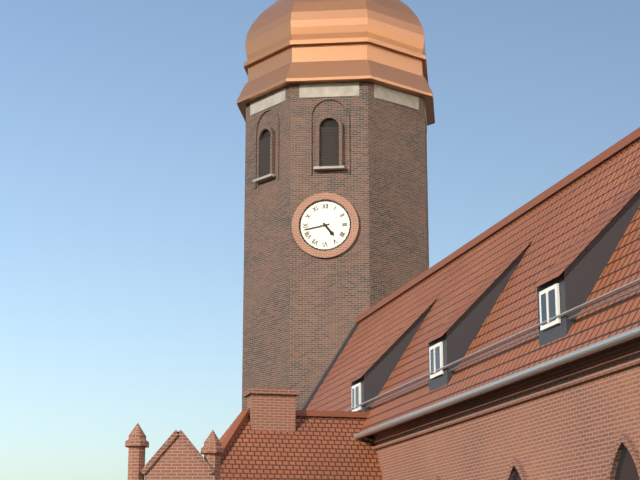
{"hour": 4, "minute": 43}
